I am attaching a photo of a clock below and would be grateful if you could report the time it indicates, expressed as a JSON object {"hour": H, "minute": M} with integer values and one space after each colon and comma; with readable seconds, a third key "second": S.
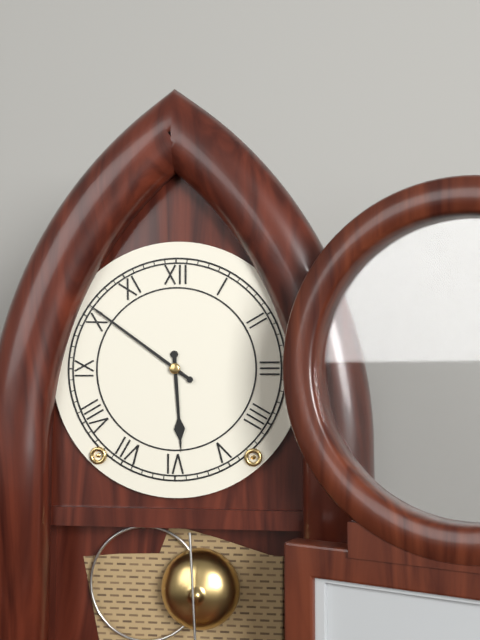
{"hour": 5, "minute": 51}
